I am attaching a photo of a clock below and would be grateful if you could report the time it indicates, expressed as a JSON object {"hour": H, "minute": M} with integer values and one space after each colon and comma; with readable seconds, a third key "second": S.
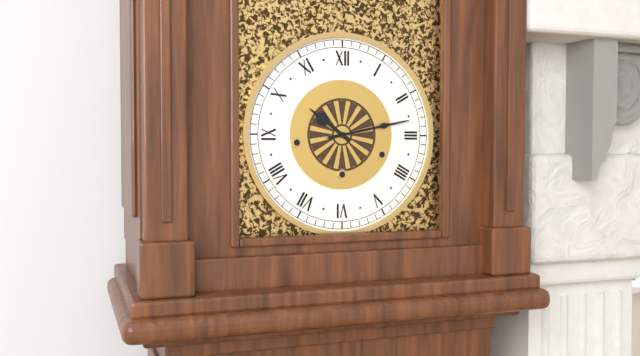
{"hour": 10, "minute": 13}
